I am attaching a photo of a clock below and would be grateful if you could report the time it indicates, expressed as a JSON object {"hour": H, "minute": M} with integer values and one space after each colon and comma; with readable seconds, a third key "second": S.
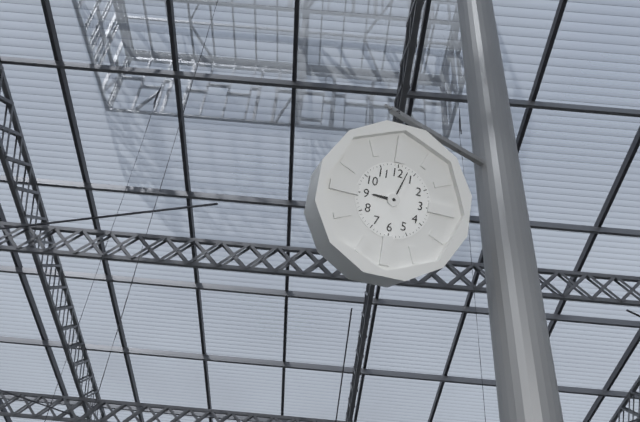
{"hour": 9, "minute": 3}
